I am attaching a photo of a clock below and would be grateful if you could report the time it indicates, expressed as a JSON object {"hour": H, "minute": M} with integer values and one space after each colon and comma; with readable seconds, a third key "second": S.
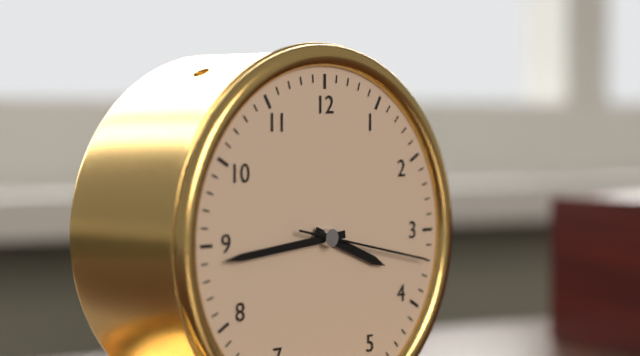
{"hour": 3, "minute": 44, "second": 17}
